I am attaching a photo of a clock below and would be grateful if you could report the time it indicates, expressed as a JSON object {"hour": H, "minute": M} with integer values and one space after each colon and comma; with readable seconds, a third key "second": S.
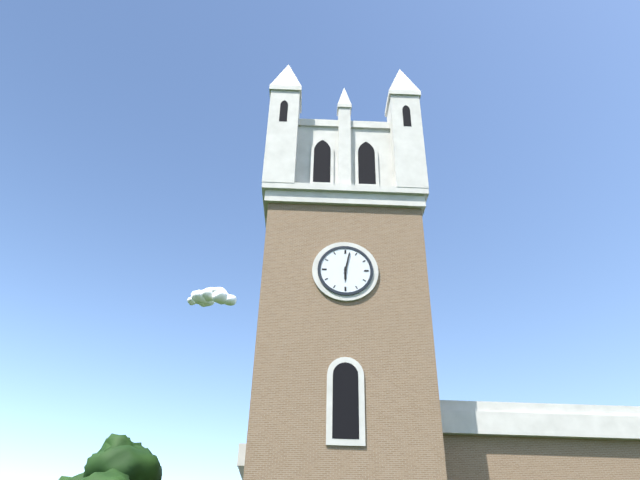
{"hour": 6, "minute": 2}
